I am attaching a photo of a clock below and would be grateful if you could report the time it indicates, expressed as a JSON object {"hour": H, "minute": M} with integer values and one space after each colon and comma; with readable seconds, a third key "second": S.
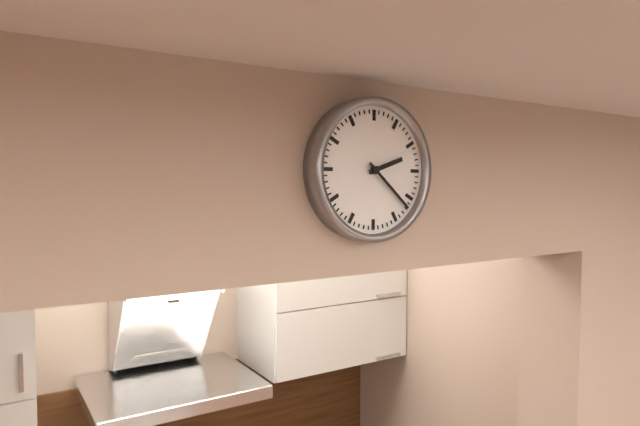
{"hour": 2, "minute": 22}
